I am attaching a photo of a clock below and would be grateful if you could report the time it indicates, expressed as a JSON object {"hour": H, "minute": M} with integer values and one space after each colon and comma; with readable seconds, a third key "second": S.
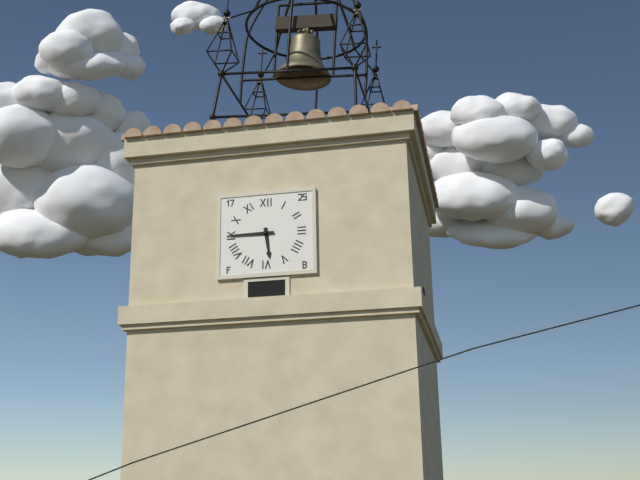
{"hour": 5, "minute": 45}
